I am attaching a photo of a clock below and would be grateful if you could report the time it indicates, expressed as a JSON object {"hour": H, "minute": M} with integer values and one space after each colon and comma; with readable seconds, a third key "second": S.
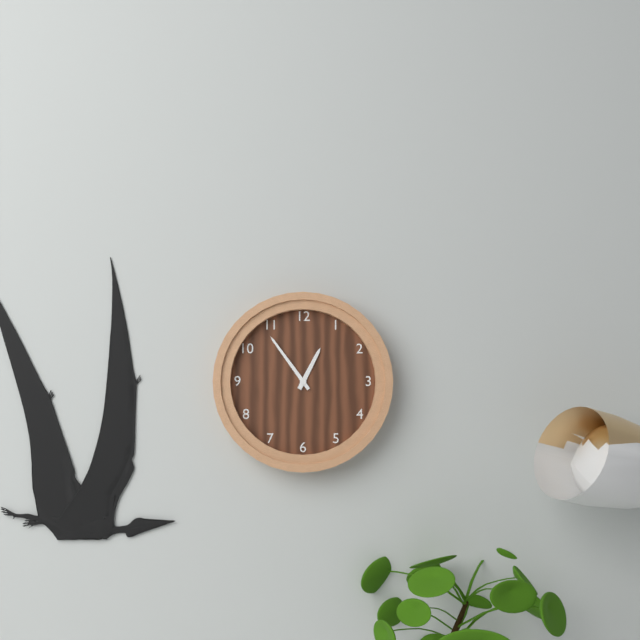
{"hour": 12, "minute": 54}
